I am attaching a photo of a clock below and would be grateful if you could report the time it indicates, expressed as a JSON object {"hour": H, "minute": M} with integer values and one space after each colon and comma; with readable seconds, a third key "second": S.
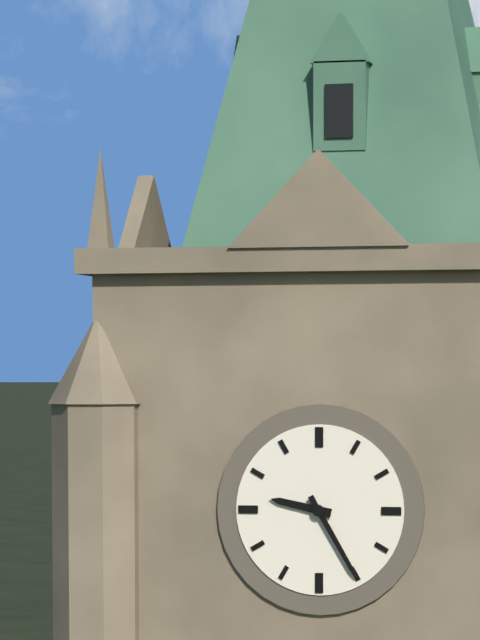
{"hour": 9, "minute": 25}
